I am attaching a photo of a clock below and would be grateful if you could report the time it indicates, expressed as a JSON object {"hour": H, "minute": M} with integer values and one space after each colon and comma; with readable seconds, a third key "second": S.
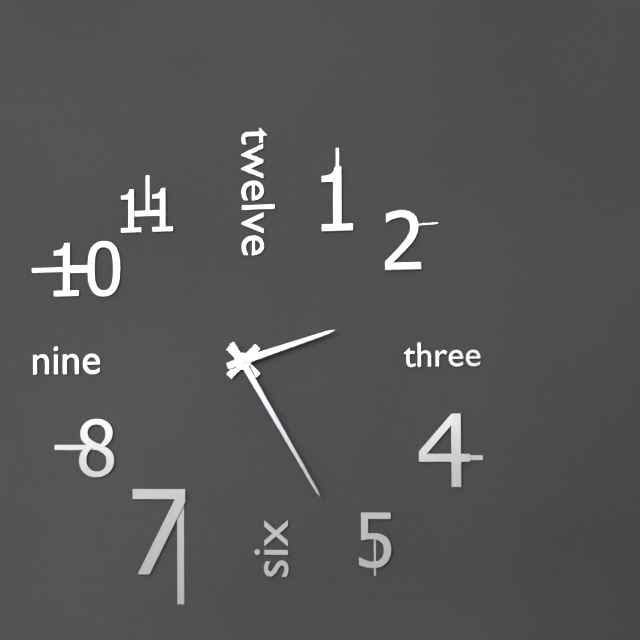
{"hour": 2, "minute": 25}
